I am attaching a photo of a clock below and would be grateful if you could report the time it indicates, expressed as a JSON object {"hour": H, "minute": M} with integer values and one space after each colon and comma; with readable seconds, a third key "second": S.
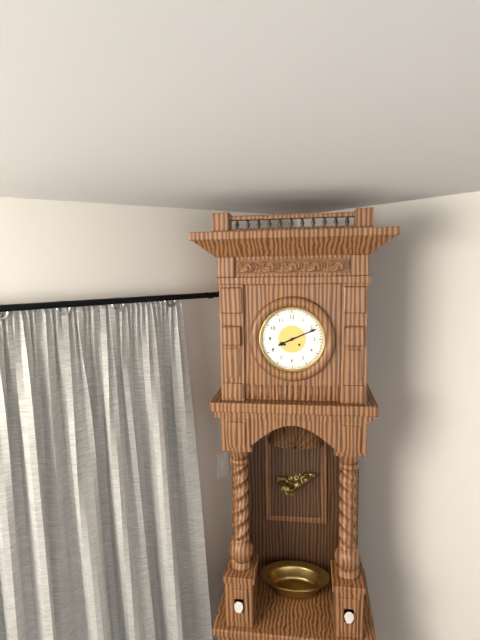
{"hour": 8, "minute": 11}
